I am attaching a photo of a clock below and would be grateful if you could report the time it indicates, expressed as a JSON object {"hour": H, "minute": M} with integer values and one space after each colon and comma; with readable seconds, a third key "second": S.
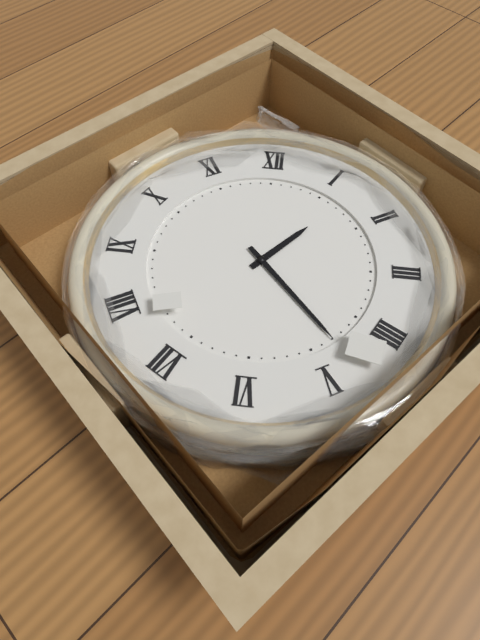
{"hour": 1, "minute": 23}
